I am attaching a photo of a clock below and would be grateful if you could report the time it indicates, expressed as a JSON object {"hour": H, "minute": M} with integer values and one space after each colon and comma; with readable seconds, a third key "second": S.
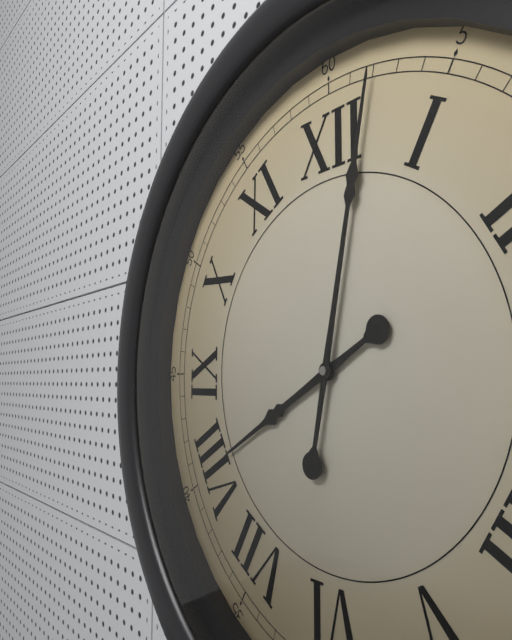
{"hour": 8, "minute": 2}
